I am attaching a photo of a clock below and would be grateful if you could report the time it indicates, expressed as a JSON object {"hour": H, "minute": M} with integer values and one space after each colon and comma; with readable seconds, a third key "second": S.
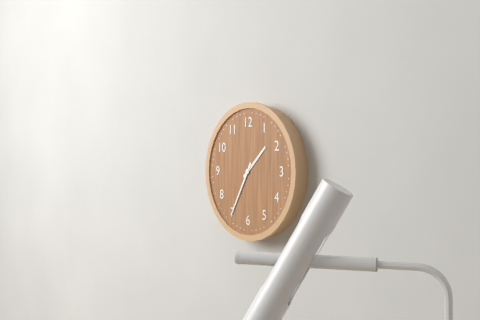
{"hour": 1, "minute": 35}
